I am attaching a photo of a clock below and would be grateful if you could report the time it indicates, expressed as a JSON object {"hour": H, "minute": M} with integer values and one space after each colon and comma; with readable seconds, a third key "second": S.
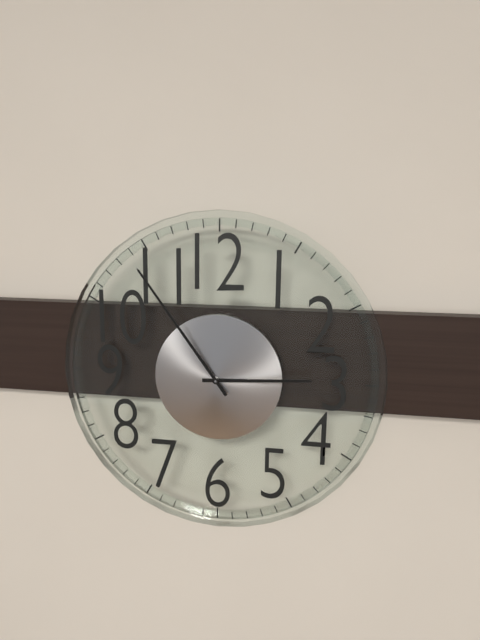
{"hour": 2, "minute": 54}
